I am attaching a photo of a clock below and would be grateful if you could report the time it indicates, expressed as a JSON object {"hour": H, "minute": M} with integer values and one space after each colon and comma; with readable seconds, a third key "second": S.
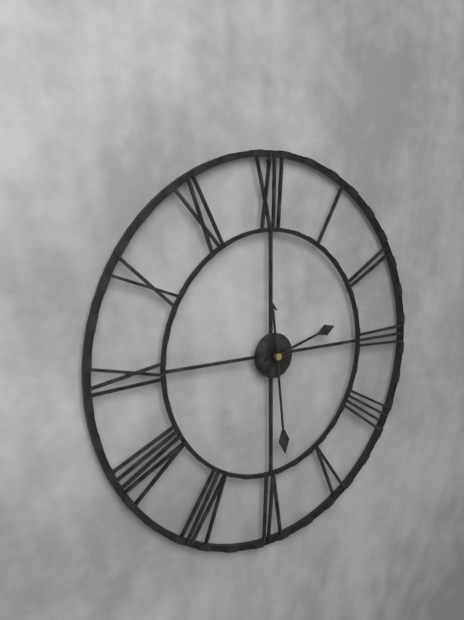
{"hour": 2, "minute": 29}
